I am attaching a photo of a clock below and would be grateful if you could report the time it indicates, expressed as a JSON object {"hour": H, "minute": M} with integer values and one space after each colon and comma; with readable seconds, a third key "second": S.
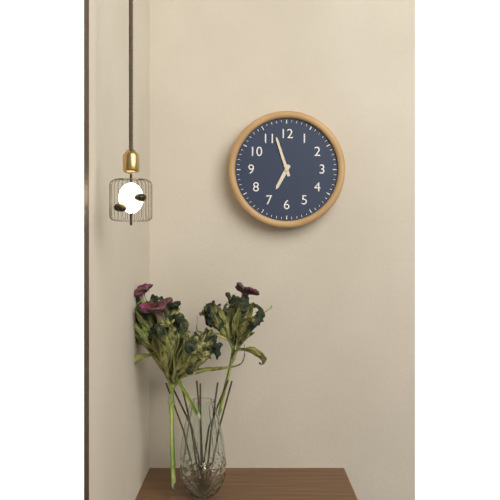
{"hour": 6, "minute": 57}
